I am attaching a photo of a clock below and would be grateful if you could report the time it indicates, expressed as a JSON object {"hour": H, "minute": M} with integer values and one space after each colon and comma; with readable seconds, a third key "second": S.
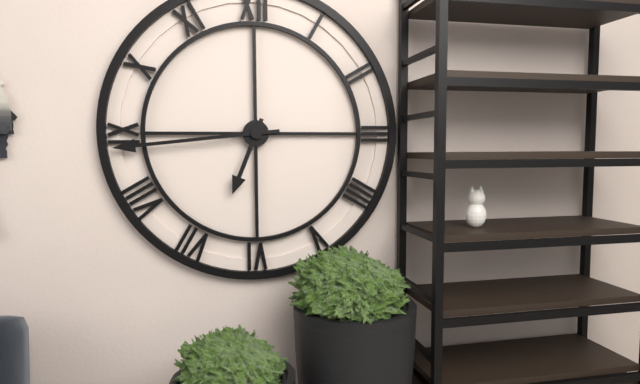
{"hour": 6, "minute": 44}
